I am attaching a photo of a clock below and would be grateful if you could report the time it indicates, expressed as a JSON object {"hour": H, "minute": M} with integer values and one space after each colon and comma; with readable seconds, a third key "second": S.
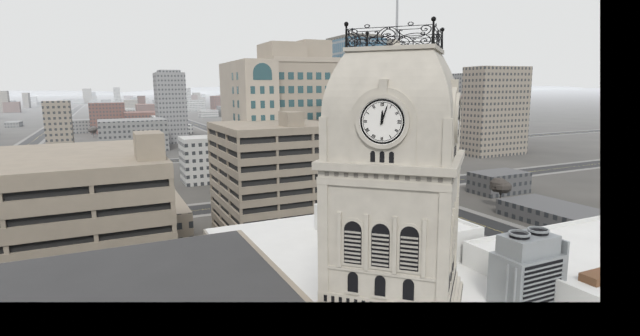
{"hour": 12, "minute": 3}
